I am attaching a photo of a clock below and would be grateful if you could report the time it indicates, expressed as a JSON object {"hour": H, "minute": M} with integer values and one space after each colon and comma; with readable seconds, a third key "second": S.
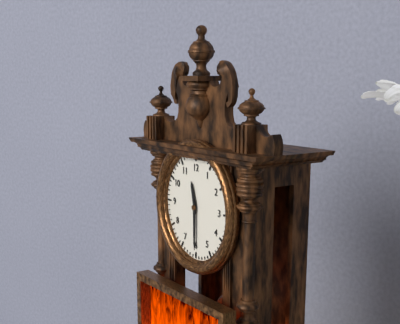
{"hour": 11, "minute": 30}
